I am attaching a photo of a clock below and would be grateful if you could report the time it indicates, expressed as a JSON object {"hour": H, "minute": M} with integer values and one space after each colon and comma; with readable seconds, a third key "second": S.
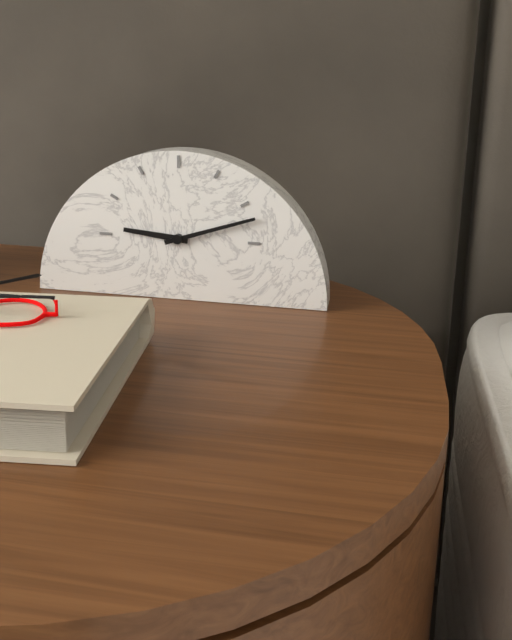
{"hour": 9, "minute": 12}
